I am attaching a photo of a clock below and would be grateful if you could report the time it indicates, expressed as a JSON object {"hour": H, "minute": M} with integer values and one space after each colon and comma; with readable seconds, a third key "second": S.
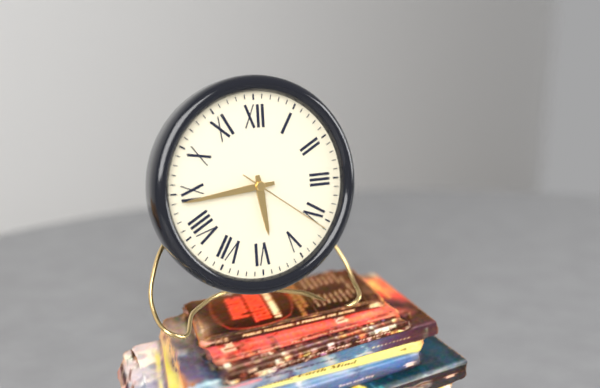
{"hour": 5, "minute": 44, "second": 21}
